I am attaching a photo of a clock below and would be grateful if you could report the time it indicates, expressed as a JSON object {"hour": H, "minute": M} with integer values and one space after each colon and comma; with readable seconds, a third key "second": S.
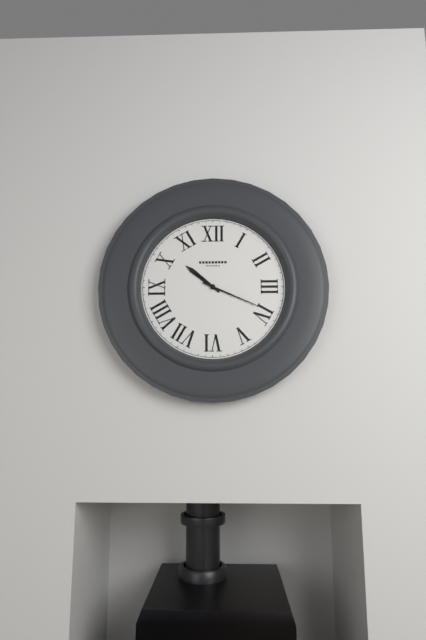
{"hour": 10, "minute": 19}
